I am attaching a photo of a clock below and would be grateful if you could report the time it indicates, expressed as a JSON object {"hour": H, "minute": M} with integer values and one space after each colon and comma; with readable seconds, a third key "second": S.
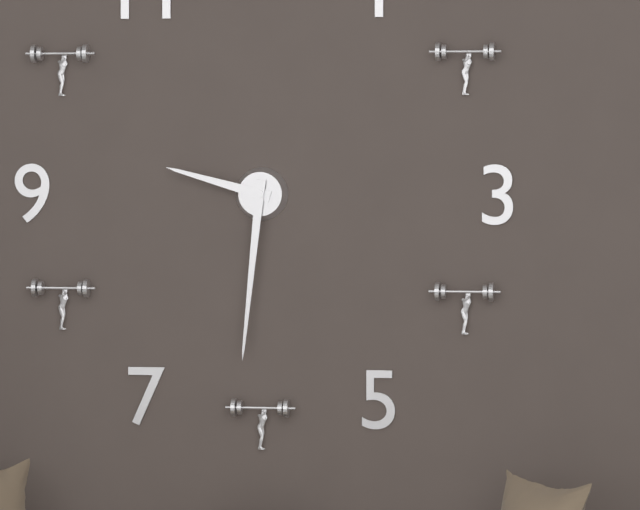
{"hour": 9, "minute": 31}
